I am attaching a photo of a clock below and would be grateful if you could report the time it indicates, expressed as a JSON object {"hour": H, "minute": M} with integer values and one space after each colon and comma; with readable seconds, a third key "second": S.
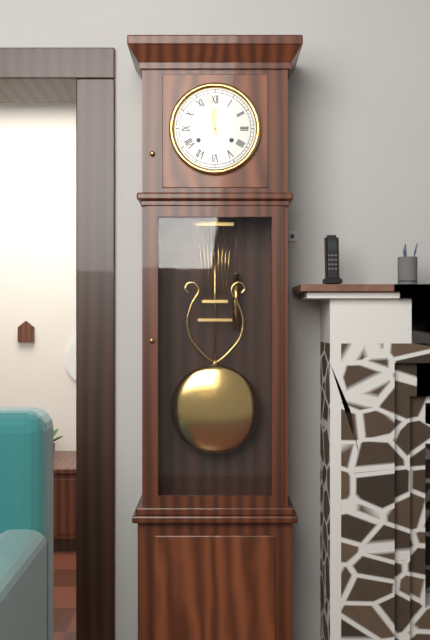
{"hour": 11, "minute": 58}
